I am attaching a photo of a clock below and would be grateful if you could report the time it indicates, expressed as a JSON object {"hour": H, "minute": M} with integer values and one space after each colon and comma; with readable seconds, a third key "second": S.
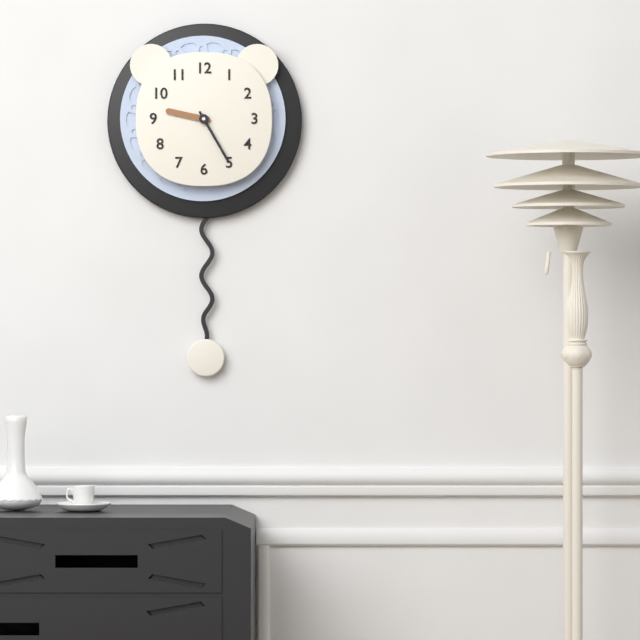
{"hour": 9, "minute": 25}
